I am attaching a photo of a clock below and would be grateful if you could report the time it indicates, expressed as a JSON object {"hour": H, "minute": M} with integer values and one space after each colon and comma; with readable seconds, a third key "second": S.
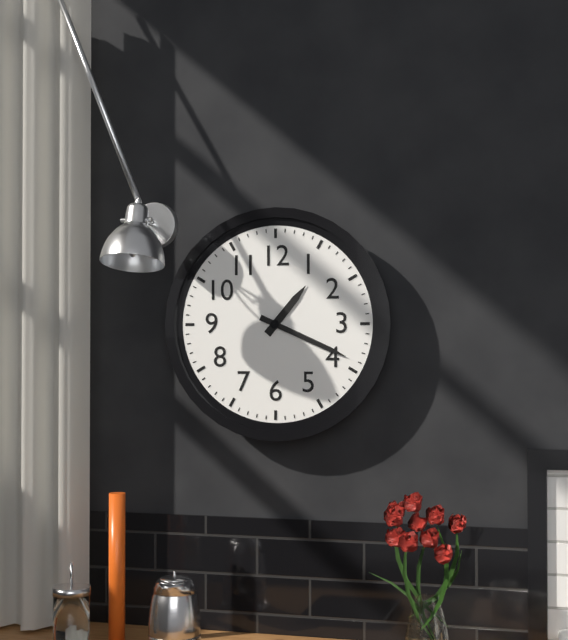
{"hour": 1, "minute": 19}
